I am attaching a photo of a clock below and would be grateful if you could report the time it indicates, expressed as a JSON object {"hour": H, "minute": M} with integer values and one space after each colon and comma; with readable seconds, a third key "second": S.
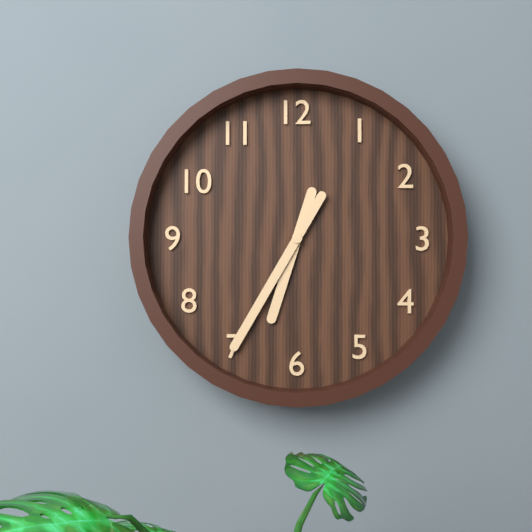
{"hour": 6, "minute": 35}
